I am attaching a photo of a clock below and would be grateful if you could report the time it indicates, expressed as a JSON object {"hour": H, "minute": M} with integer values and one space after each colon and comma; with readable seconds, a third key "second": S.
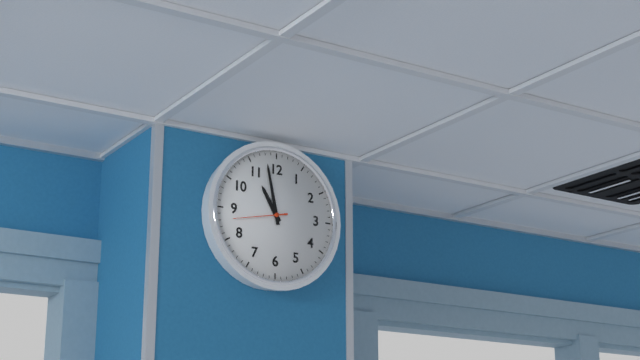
{"hour": 10, "minute": 58, "second": 43}
